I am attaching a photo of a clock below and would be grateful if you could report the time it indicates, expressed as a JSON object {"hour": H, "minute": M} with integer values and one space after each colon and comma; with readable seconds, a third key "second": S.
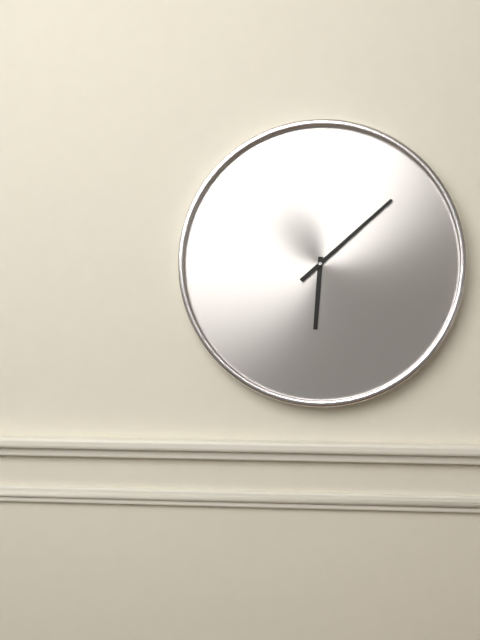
{"hour": 6, "minute": 8}
